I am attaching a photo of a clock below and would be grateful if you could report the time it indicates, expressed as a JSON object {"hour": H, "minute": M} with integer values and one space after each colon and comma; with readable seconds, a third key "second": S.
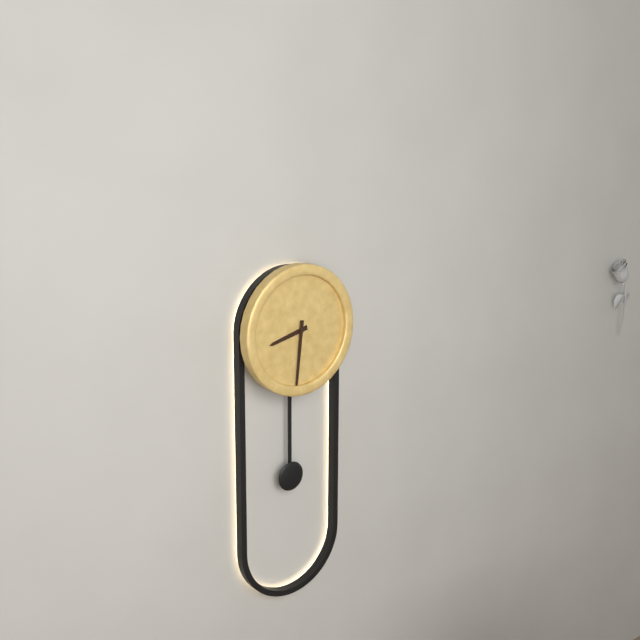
{"hour": 8, "minute": 31}
